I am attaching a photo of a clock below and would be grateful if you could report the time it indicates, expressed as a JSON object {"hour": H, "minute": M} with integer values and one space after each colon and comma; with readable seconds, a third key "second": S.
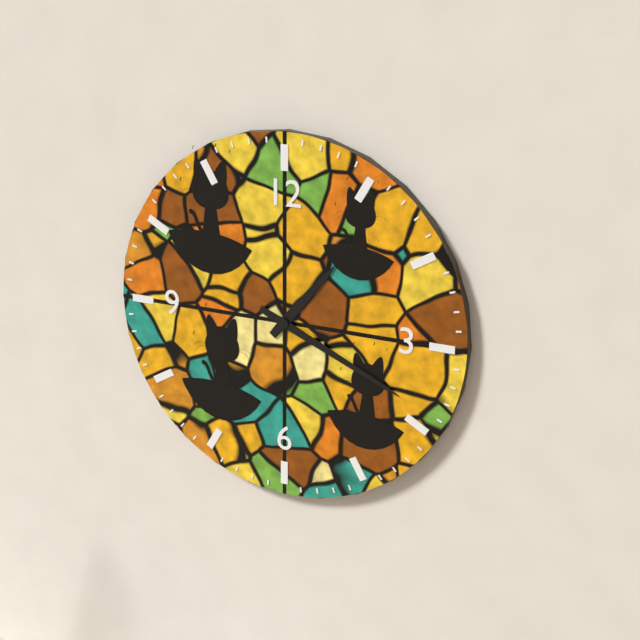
{"hour": 1, "minute": 19}
